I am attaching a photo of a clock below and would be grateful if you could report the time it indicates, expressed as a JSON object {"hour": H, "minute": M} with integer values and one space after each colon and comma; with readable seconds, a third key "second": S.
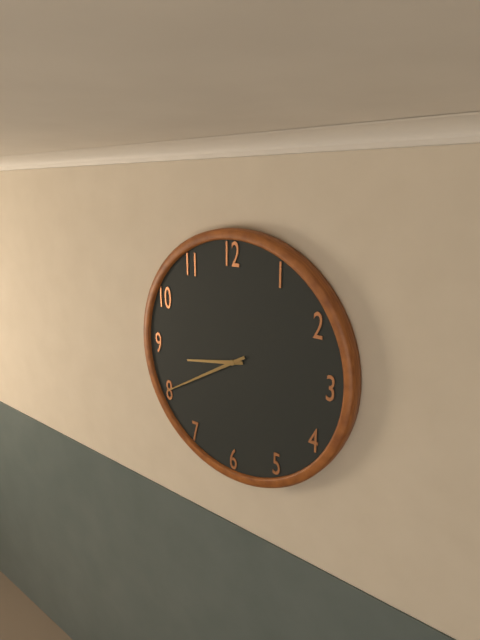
{"hour": 8, "minute": 40}
